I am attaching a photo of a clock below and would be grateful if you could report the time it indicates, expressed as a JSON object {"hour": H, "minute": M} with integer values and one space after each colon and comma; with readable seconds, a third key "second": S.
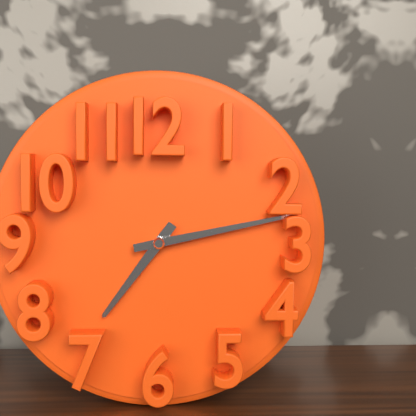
{"hour": 7, "minute": 13}
